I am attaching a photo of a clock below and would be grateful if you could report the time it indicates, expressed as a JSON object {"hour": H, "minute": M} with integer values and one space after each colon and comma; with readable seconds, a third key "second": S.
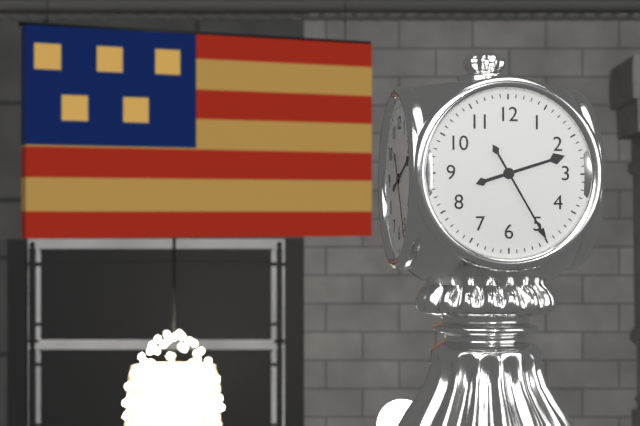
{"hour": 2, "minute": 25}
